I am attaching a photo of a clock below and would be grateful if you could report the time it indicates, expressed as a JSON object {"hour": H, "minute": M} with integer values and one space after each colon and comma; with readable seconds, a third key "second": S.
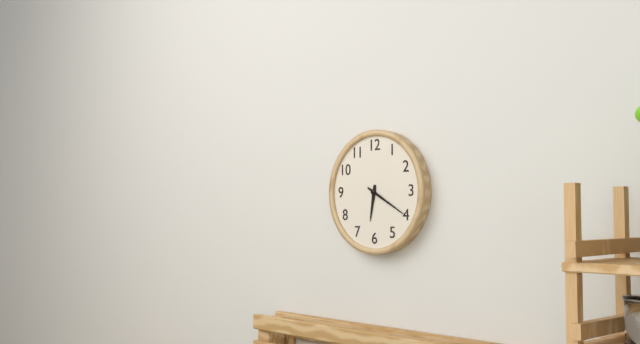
{"hour": 6, "minute": 20}
